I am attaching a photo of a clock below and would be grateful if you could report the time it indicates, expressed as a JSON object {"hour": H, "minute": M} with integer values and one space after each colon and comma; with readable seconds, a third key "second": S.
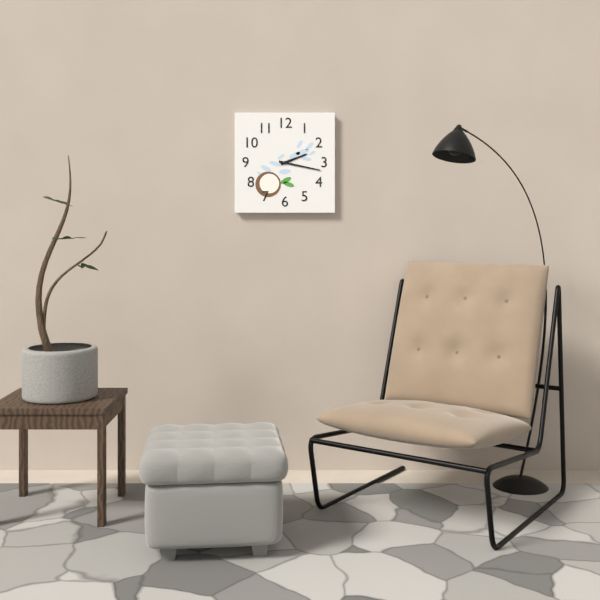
{"hour": 2, "minute": 17}
